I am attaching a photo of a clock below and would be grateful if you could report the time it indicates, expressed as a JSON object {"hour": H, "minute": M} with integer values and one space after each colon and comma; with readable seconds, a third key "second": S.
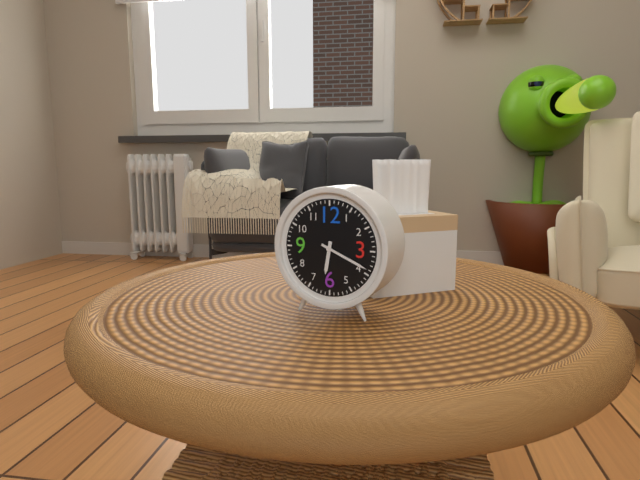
{"hour": 6, "minute": 19}
